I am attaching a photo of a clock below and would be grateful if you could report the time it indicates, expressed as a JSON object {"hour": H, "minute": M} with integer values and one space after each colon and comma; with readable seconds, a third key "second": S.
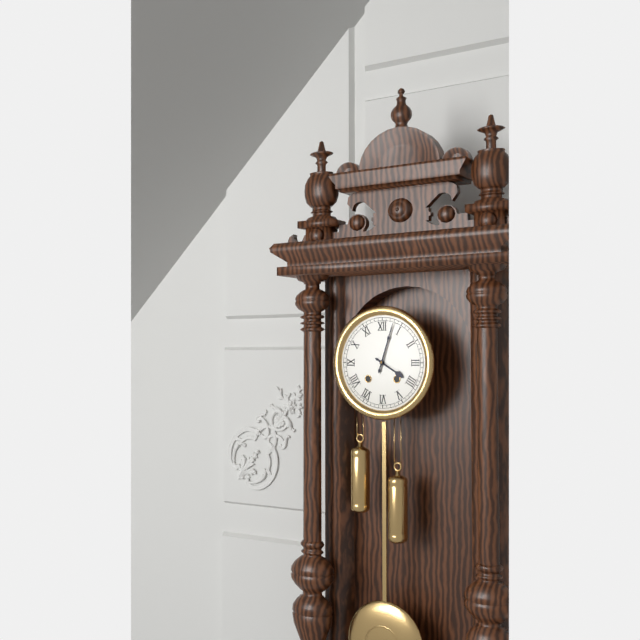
{"hour": 4, "minute": 3}
